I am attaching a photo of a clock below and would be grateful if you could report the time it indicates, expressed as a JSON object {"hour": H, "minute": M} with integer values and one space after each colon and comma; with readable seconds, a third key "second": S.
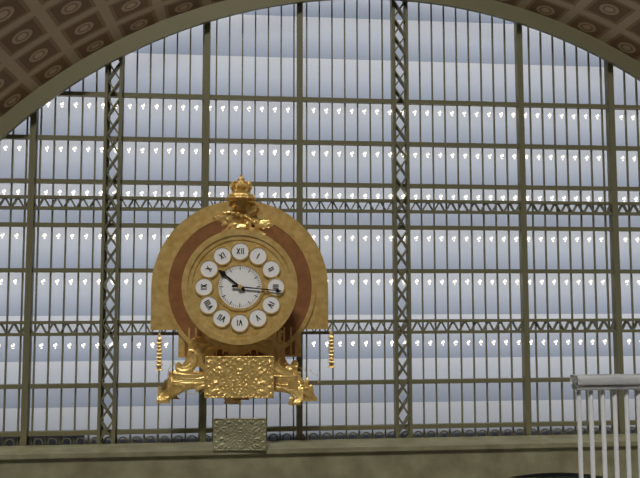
{"hour": 10, "minute": 16}
